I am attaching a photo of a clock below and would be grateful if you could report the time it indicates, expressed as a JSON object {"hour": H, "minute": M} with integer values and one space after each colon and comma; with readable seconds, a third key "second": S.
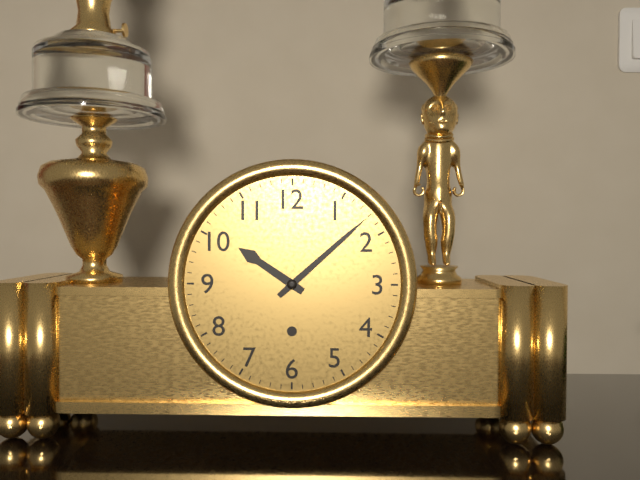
{"hour": 10, "minute": 8}
